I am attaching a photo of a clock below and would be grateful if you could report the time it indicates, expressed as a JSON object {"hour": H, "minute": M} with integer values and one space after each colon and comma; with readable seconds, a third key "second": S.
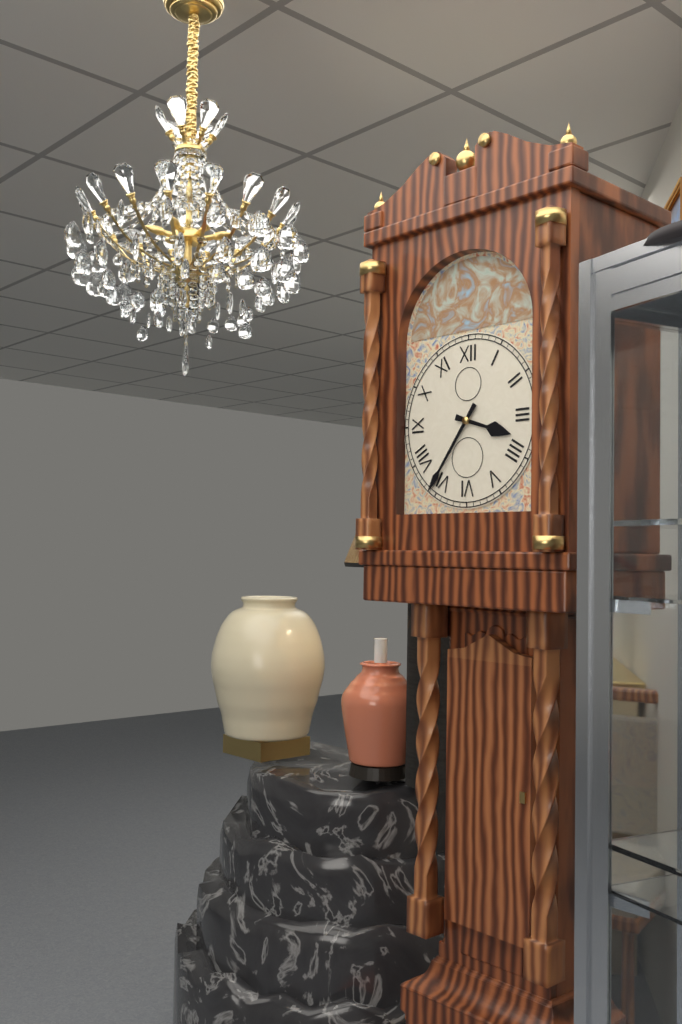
{"hour": 3, "minute": 36}
